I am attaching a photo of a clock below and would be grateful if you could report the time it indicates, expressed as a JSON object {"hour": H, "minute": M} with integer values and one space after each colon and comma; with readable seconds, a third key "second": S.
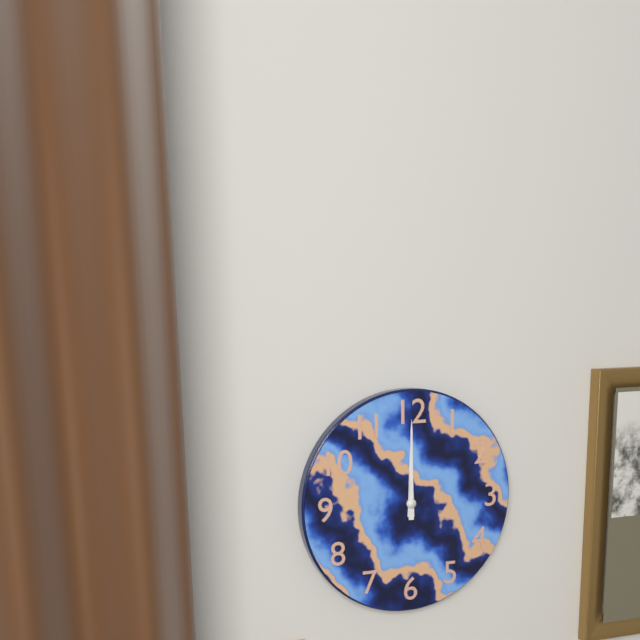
{"hour": 12, "minute": 0}
